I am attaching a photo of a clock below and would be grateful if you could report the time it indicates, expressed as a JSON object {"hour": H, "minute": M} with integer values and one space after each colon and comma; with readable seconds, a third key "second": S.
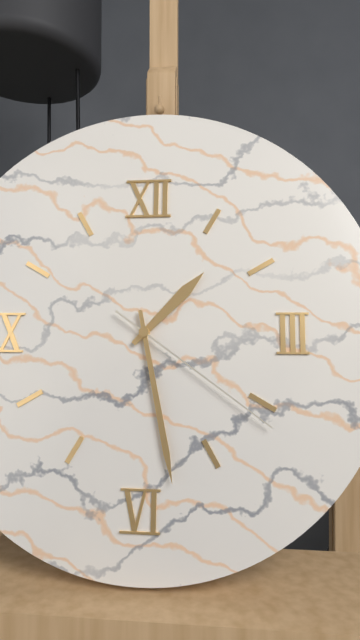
{"hour": 1, "minute": 28, "second": 21}
